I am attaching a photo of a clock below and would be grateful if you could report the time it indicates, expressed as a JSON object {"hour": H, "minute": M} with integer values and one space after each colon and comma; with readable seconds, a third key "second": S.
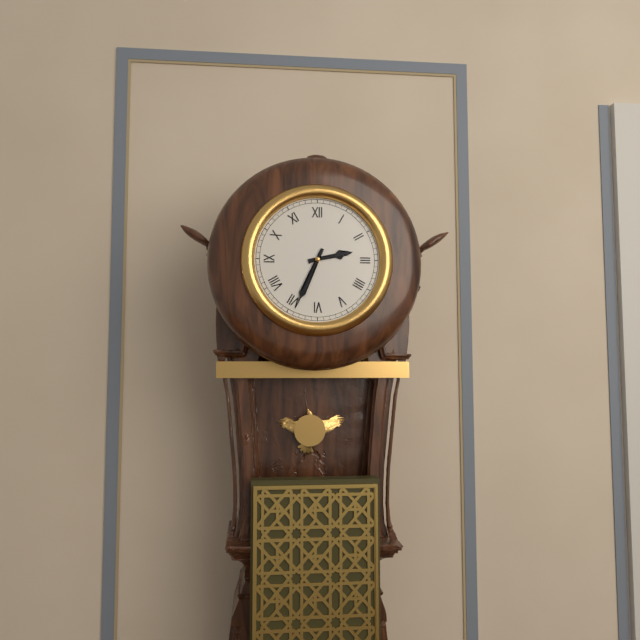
{"hour": 2, "minute": 34}
